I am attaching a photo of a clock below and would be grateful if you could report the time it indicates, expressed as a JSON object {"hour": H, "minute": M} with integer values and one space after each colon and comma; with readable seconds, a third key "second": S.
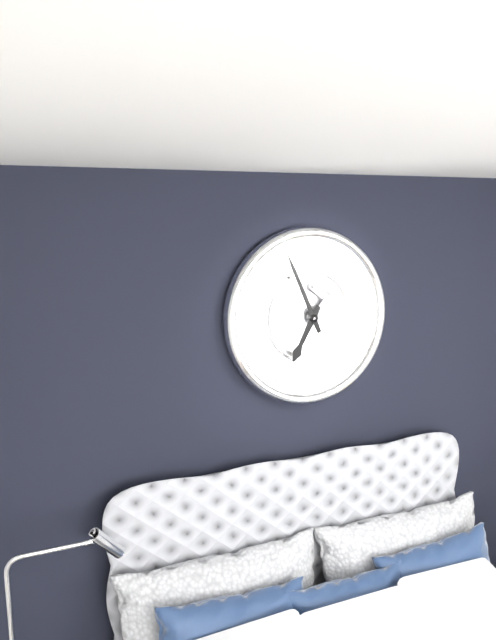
{"hour": 6, "minute": 56}
